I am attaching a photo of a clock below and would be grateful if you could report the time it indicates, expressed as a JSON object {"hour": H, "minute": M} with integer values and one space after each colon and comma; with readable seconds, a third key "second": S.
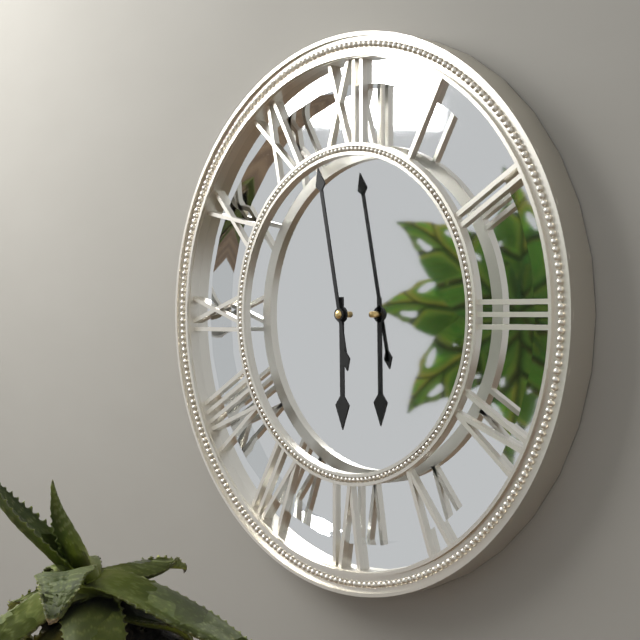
{"hour": 5, "minute": 58}
